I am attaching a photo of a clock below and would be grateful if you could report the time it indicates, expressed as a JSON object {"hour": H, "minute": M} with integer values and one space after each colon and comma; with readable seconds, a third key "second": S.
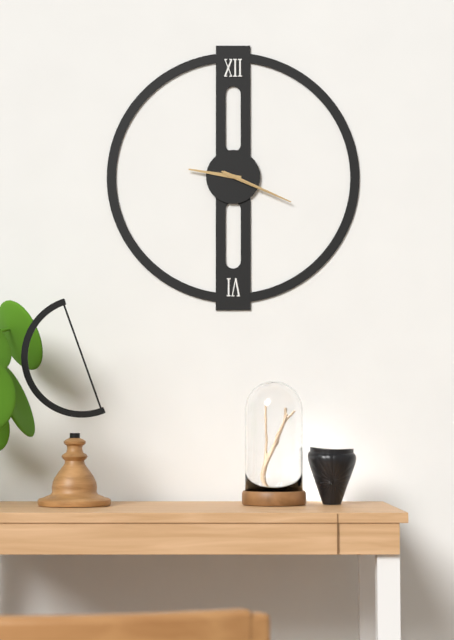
{"hour": 9, "minute": 19, "second": 19}
